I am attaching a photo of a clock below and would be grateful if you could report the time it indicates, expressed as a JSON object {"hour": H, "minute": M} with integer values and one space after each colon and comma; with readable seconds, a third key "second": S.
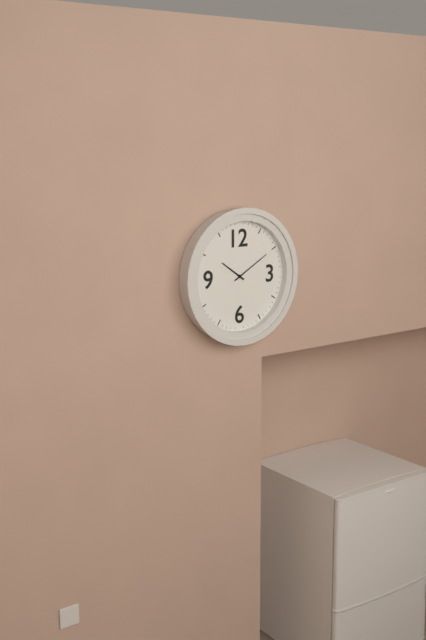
{"hour": 10, "minute": 10}
